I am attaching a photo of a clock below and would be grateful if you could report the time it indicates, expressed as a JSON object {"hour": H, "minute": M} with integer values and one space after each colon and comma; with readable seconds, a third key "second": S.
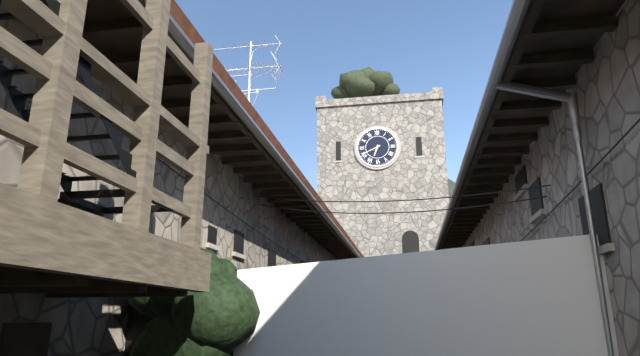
{"hour": 6, "minute": 41}
